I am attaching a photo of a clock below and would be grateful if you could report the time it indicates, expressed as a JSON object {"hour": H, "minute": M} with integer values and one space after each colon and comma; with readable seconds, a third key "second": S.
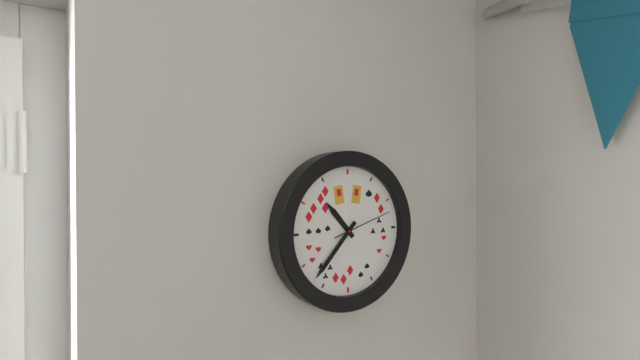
{"hour": 10, "minute": 37, "second": 12}
